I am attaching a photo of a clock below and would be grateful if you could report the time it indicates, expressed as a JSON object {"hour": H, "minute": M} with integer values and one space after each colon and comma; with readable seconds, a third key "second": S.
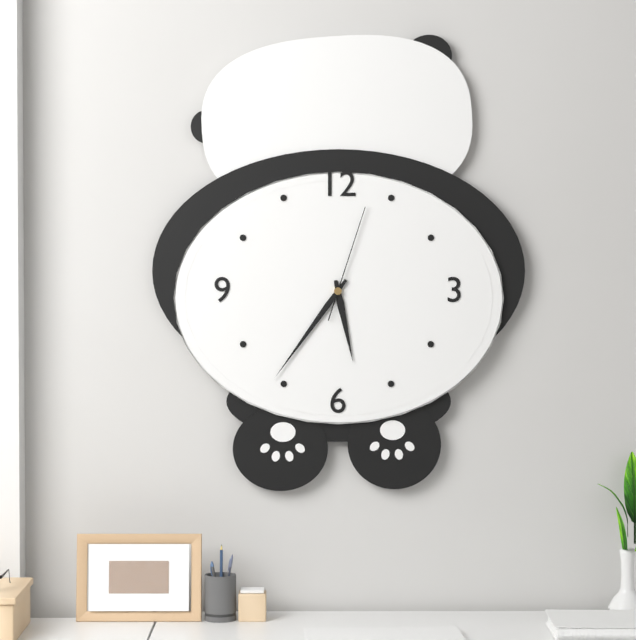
{"hour": 5, "minute": 36, "second": 3}
